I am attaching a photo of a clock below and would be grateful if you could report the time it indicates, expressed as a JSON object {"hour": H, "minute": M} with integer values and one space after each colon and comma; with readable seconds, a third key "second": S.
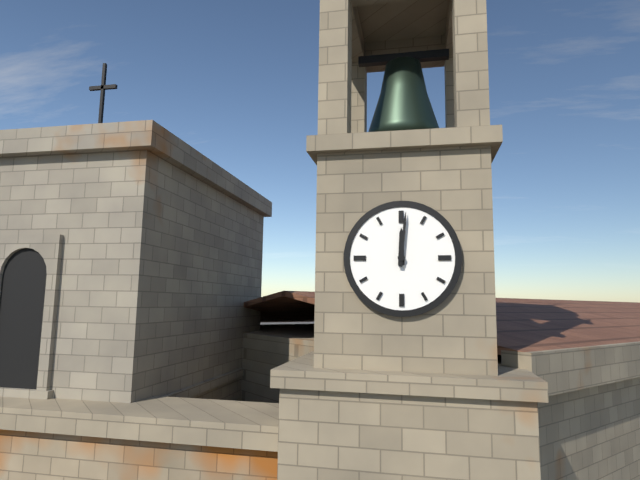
{"hour": 12, "minute": 1}
